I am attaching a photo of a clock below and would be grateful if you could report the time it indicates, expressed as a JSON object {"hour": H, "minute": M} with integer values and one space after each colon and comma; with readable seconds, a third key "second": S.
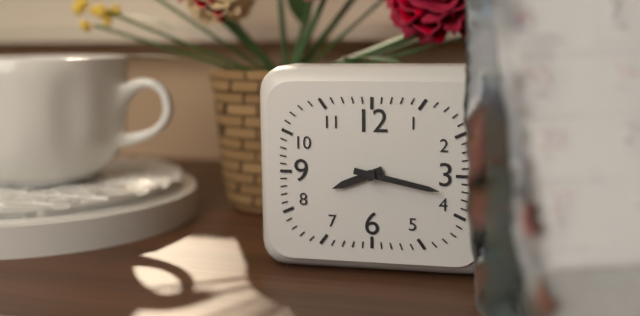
{"hour": 8, "minute": 17}
